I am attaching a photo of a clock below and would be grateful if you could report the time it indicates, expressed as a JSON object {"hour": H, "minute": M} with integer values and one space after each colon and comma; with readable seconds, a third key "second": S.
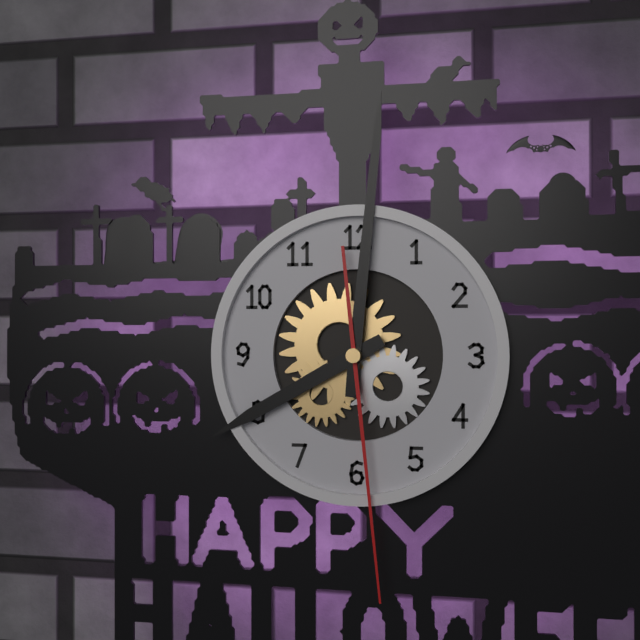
{"hour": 8, "minute": 1, "second": 29}
